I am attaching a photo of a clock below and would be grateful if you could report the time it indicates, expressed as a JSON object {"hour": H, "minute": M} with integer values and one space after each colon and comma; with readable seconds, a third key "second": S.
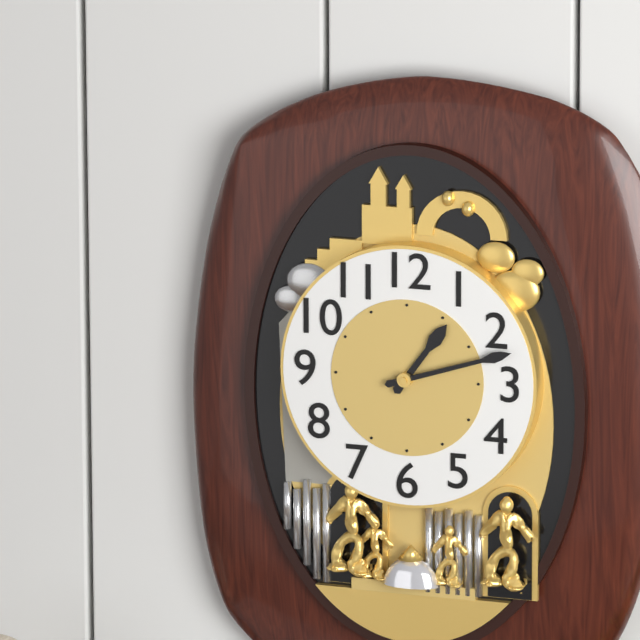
{"hour": 1, "minute": 12}
